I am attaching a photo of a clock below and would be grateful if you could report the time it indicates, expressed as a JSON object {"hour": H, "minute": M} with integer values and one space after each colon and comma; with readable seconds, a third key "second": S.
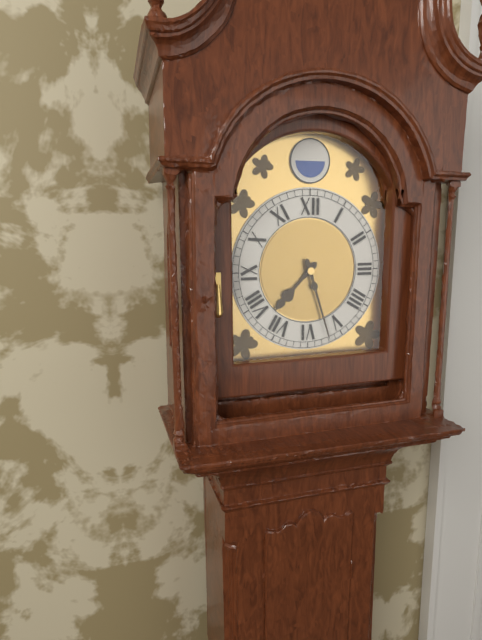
{"hour": 7, "minute": 27}
